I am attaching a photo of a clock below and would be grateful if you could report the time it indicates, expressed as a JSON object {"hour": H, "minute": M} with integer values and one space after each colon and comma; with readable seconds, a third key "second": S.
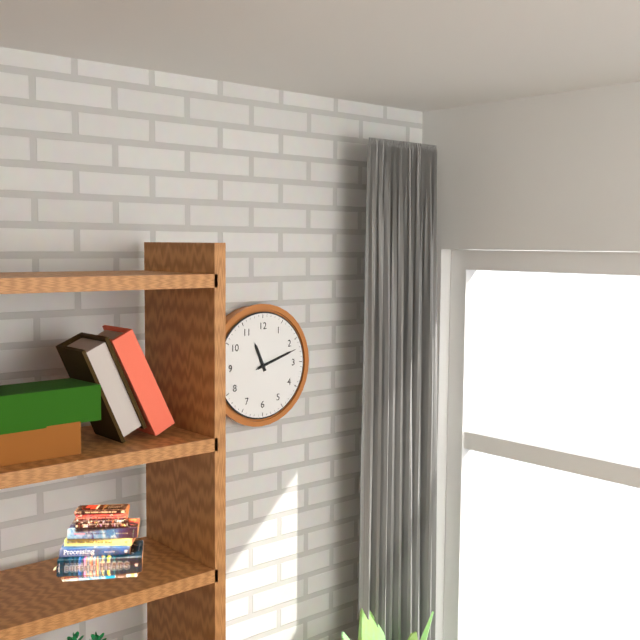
{"hour": 11, "minute": 12}
